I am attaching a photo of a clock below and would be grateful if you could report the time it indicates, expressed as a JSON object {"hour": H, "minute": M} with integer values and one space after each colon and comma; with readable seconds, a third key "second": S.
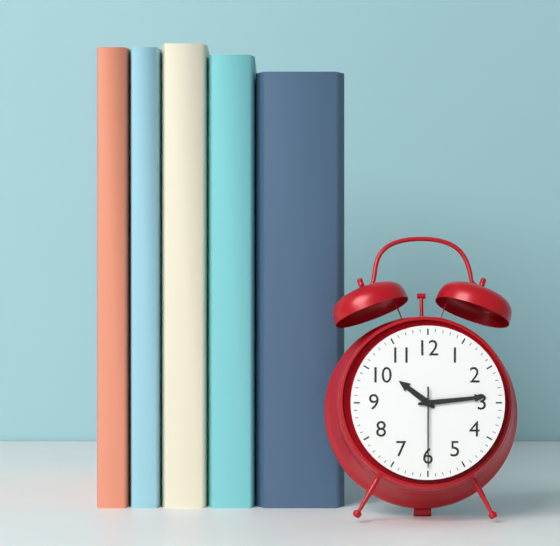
{"hour": 10, "minute": 14, "second": 30}
